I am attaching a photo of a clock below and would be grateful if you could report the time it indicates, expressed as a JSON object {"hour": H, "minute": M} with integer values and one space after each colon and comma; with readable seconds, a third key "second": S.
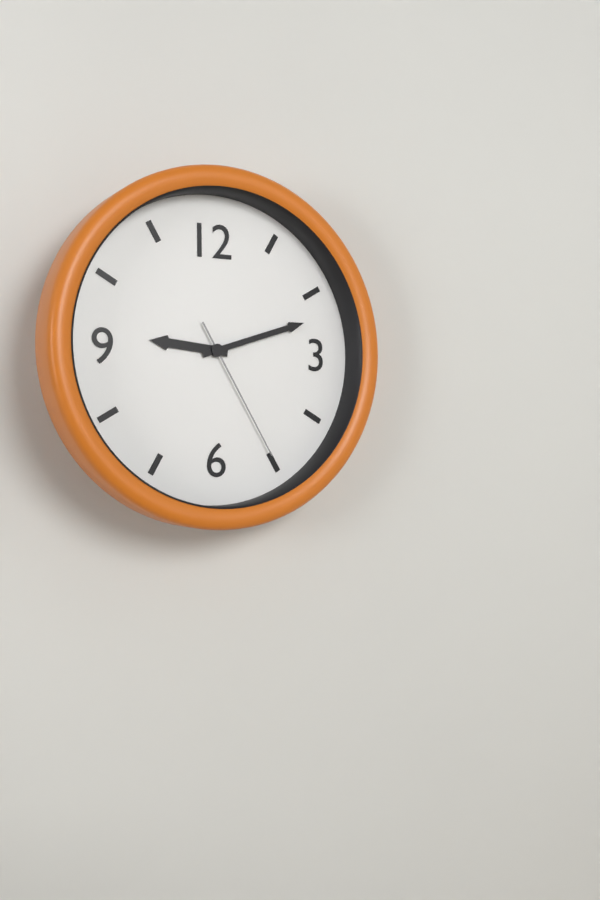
{"hour": 9, "minute": 12, "second": 25}
